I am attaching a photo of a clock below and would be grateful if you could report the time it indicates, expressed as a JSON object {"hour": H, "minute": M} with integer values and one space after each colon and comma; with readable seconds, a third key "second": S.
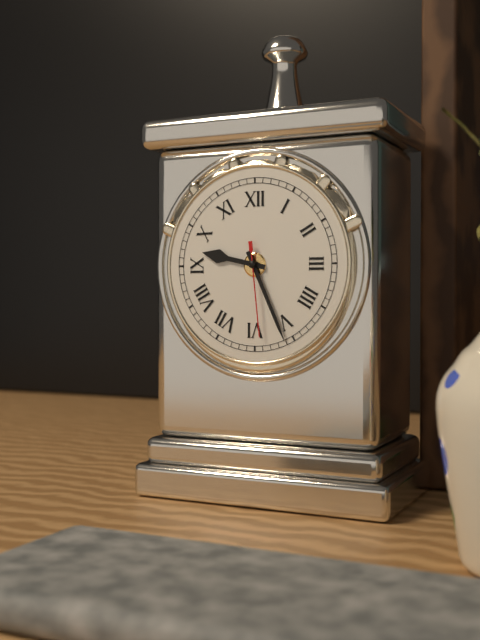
{"hour": 9, "minute": 26, "second": 29}
